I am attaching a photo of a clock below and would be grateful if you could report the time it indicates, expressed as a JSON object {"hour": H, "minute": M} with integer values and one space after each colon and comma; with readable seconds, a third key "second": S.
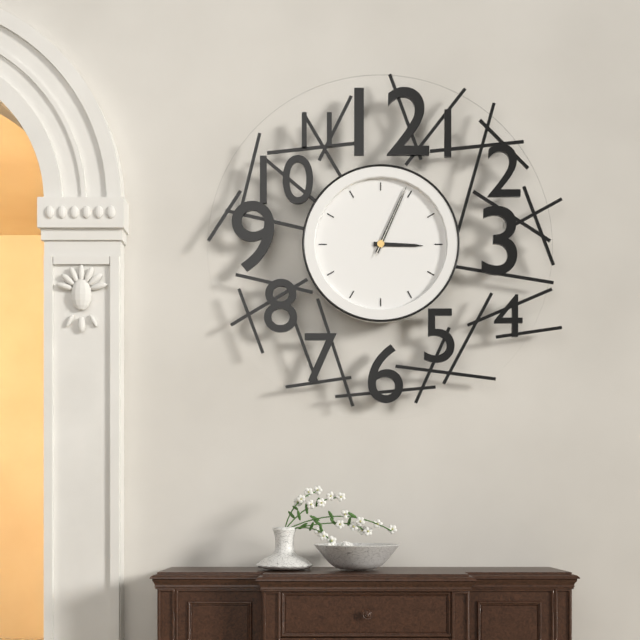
{"hour": 3, "minute": 4, "second": 4}
